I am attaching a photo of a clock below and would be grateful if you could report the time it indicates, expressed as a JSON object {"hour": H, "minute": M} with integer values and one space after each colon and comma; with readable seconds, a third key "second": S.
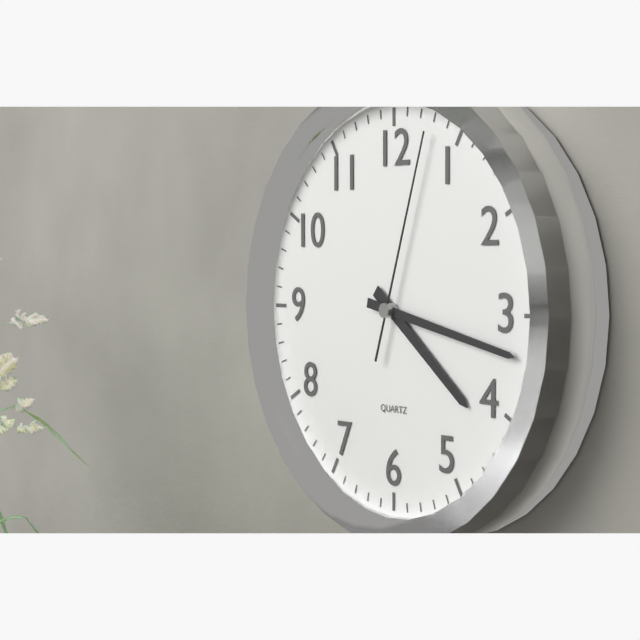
{"hour": 4, "minute": 17, "second": 3}
